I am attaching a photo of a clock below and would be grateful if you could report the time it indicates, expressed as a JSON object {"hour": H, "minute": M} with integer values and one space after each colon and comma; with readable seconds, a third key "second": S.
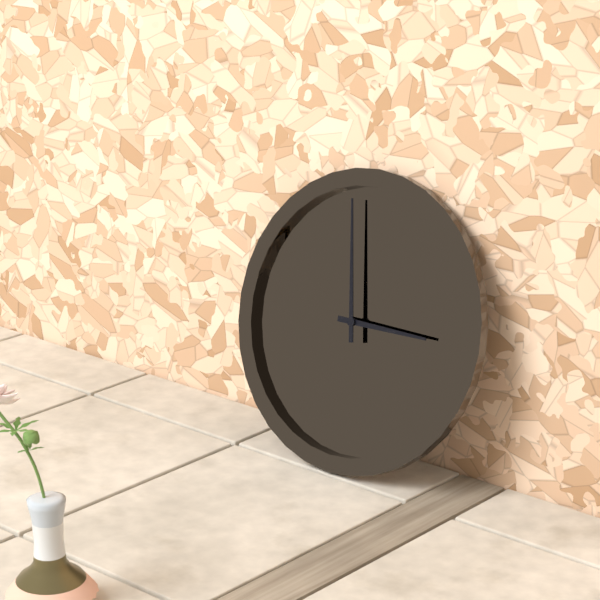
{"hour": 2, "minute": 58}
